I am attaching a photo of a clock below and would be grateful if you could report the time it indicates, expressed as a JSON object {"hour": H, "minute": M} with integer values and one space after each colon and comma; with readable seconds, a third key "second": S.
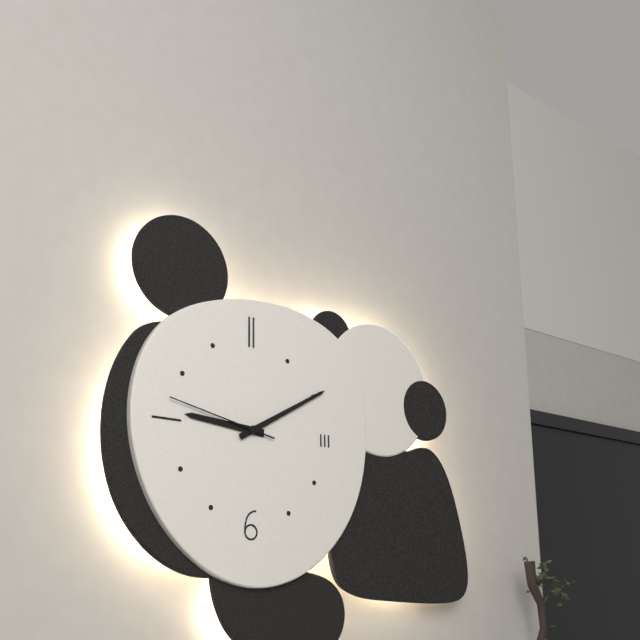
{"hour": 9, "minute": 10, "second": 47}
